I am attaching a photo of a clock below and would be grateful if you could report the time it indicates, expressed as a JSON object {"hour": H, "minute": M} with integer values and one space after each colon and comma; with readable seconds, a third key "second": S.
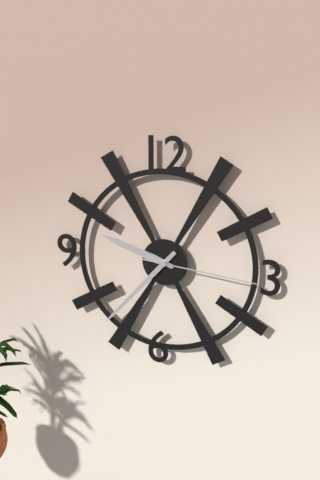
{"hour": 9, "minute": 37, "second": 16}
